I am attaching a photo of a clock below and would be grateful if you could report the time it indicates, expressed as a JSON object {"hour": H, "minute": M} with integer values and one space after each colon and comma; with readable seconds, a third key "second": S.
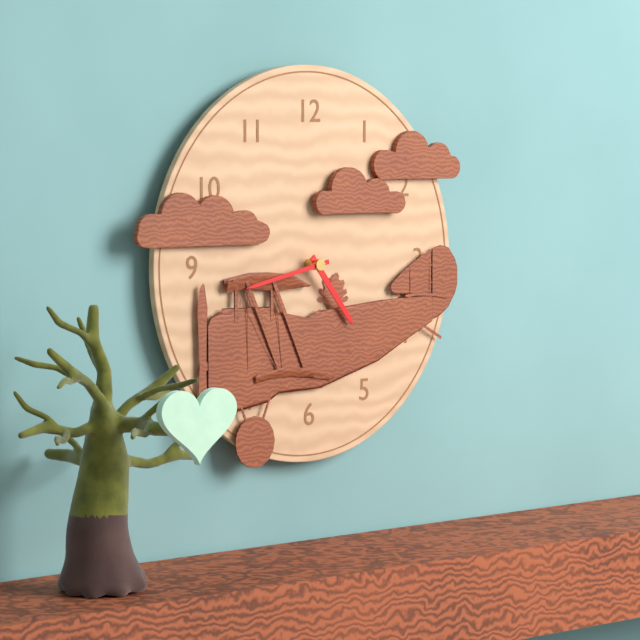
{"hour": 4, "minute": 43}
